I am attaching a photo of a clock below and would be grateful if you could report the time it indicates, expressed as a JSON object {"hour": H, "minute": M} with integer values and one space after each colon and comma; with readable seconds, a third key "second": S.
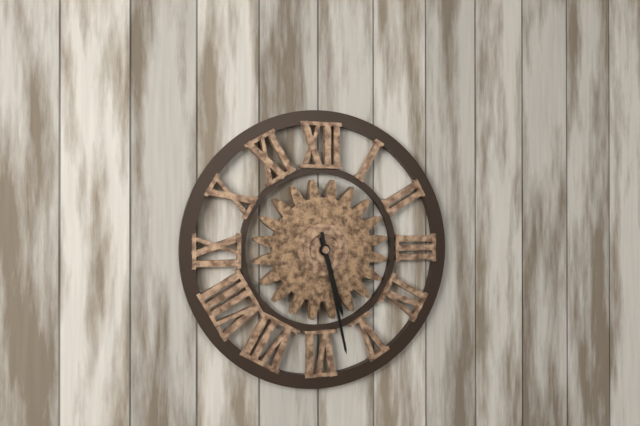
{"hour": 5, "minute": 28}
